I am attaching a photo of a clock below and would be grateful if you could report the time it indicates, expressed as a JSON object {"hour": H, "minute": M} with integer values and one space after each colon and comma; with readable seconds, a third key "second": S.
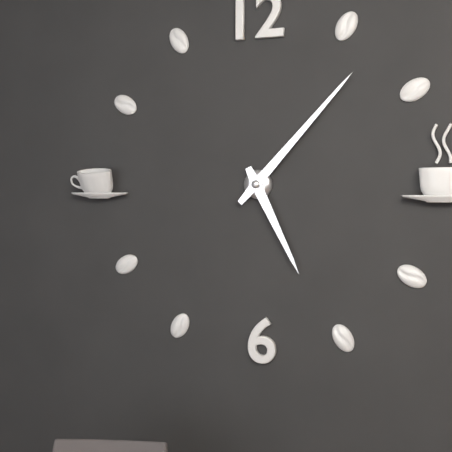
{"hour": 5, "minute": 7}
